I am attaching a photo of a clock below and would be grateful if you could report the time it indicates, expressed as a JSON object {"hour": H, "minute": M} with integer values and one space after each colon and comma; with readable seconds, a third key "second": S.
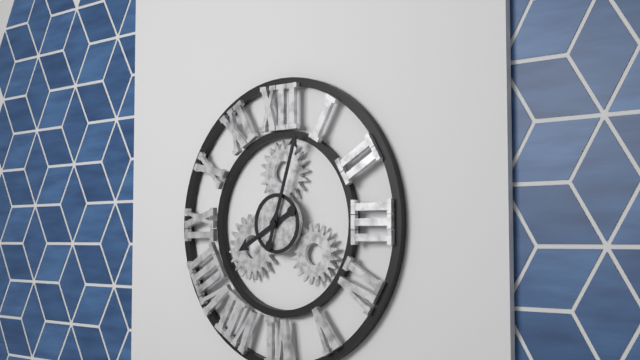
{"hour": 8, "minute": 3}
